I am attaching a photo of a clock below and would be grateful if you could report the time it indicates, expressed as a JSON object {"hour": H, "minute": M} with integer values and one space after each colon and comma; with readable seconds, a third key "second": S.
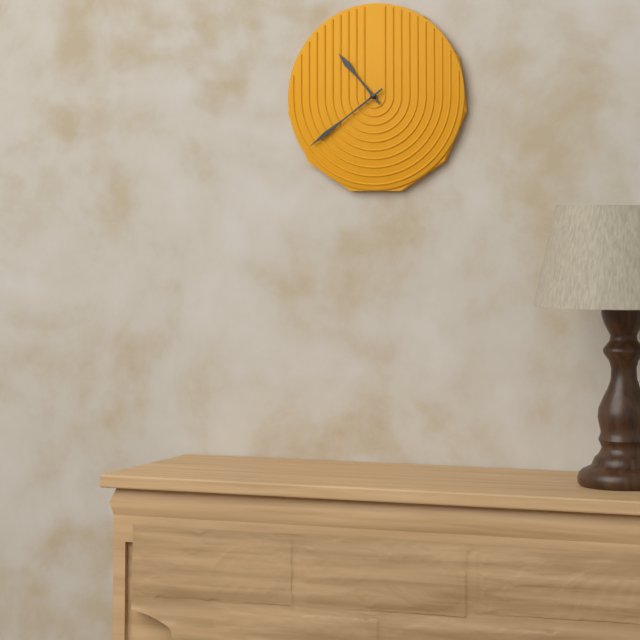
{"hour": 10, "minute": 39}
